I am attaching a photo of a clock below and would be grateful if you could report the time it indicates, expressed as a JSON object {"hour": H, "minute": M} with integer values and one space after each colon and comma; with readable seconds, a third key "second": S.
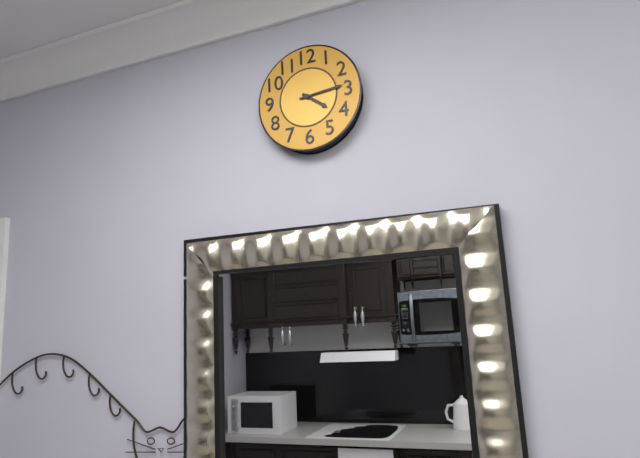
{"hour": 4, "minute": 14}
